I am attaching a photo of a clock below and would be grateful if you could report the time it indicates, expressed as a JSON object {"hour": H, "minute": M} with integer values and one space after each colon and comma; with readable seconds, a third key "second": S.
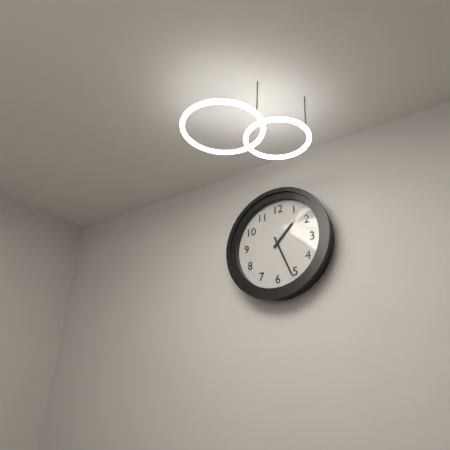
{"hour": 1, "minute": 26}
